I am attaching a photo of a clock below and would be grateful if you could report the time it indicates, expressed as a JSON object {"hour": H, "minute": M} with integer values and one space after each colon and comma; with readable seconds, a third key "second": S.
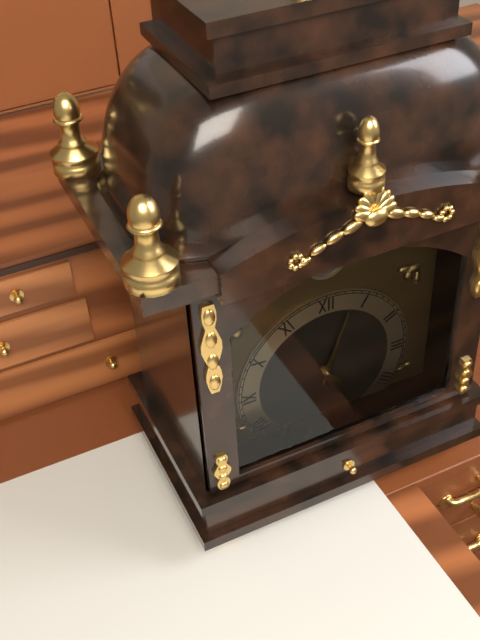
{"hour": 5, "minute": 3}
